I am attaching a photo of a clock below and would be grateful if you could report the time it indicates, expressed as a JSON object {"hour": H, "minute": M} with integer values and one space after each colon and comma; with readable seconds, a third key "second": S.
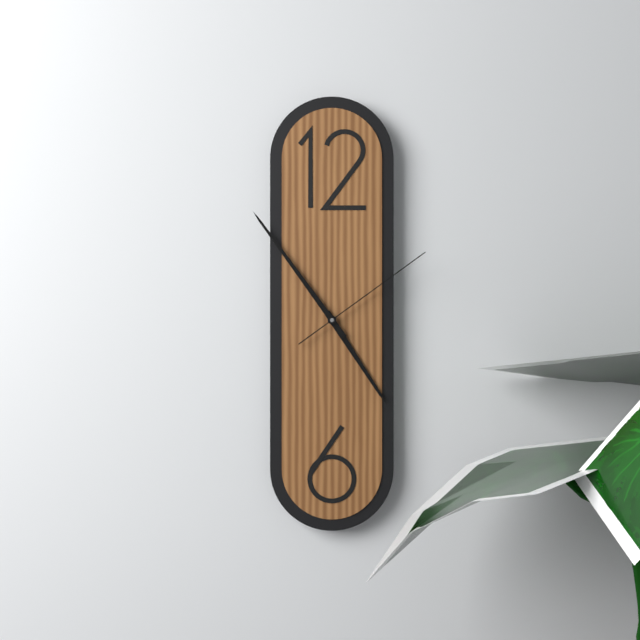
{"hour": 4, "minute": 54, "second": 9}
